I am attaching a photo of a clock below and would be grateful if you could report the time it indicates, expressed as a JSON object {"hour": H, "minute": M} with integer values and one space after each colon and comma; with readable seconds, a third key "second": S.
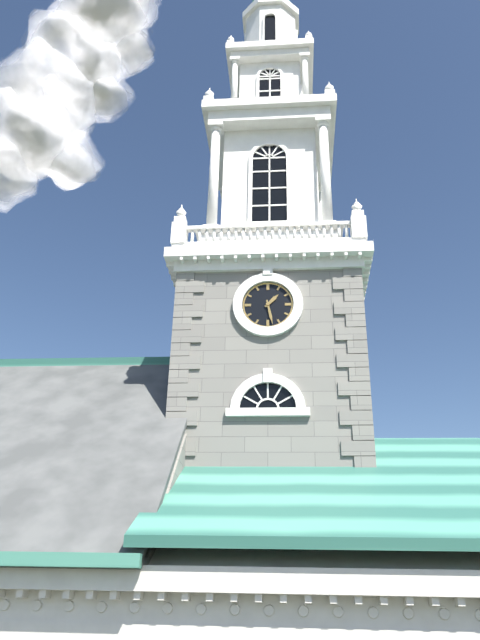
{"hour": 1, "minute": 28}
